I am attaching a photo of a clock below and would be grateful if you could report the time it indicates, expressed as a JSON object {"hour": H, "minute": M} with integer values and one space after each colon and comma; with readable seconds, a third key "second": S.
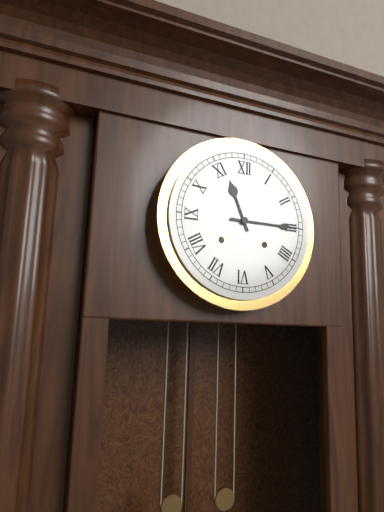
{"hour": 11, "minute": 15}
